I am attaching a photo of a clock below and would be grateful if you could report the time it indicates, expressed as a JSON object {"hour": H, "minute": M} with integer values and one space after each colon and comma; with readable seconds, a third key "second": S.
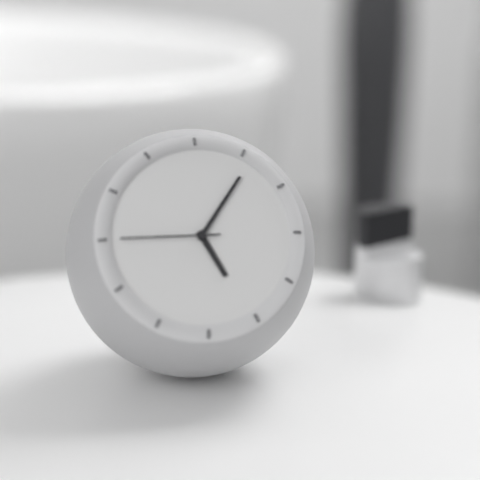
{"hour": 5, "minute": 6, "second": 45}
